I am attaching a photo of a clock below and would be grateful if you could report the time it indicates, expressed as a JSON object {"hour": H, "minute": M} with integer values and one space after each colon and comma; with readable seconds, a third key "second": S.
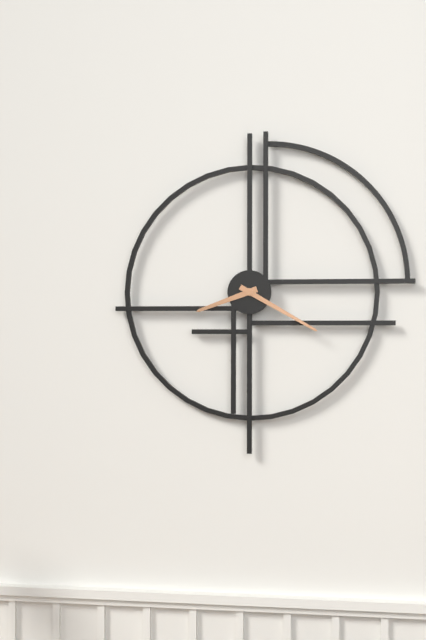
{"hour": 8, "minute": 20}
